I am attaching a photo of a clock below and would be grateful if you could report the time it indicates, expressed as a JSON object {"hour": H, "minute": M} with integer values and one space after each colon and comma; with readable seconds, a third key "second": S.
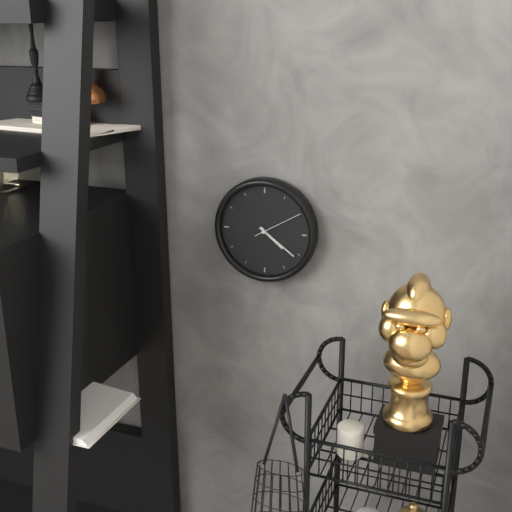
{"hour": 4, "minute": 21}
